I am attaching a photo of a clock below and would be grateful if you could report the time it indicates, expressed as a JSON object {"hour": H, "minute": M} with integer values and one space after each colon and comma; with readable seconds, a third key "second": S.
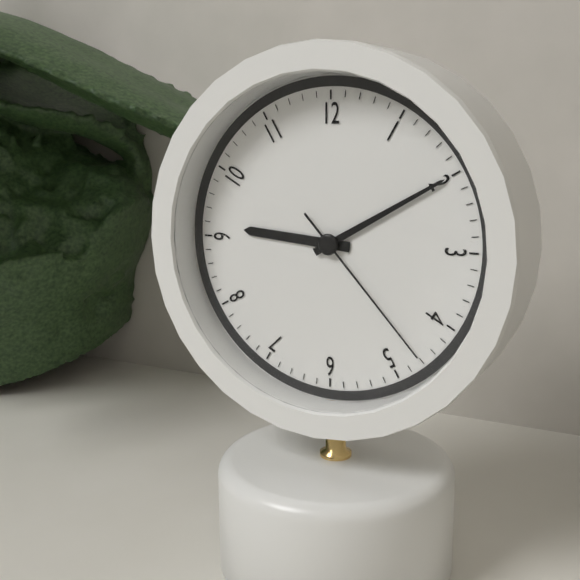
{"hour": 9, "minute": 10, "second": 23}
